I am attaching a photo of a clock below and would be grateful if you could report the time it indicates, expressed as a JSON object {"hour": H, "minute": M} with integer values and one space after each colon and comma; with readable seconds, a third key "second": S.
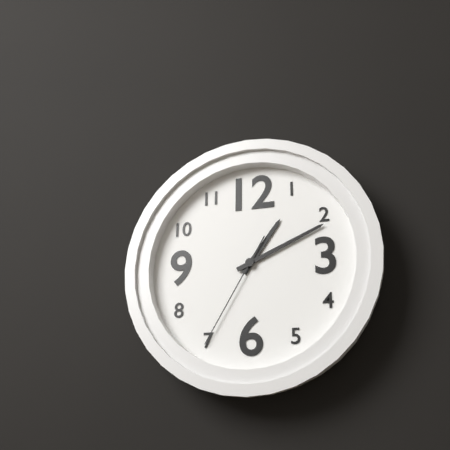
{"hour": 1, "minute": 11, "second": 35}
